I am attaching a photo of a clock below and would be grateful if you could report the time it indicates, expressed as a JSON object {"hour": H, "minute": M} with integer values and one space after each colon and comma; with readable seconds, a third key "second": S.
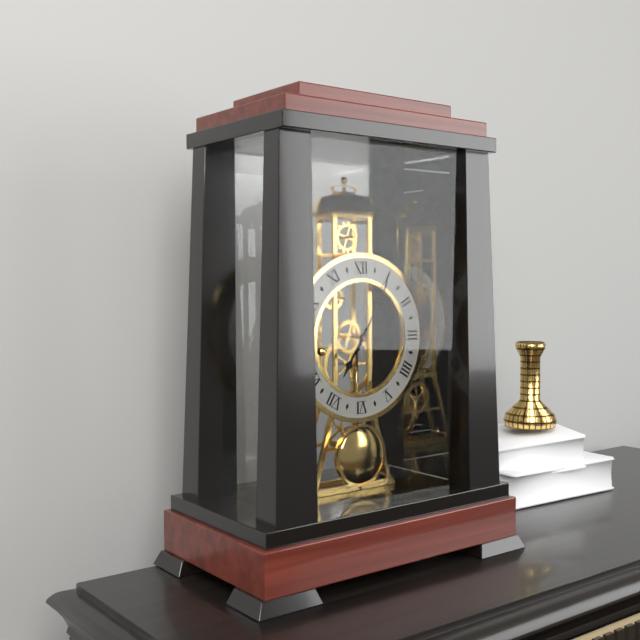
{"hour": 7, "minute": 5}
